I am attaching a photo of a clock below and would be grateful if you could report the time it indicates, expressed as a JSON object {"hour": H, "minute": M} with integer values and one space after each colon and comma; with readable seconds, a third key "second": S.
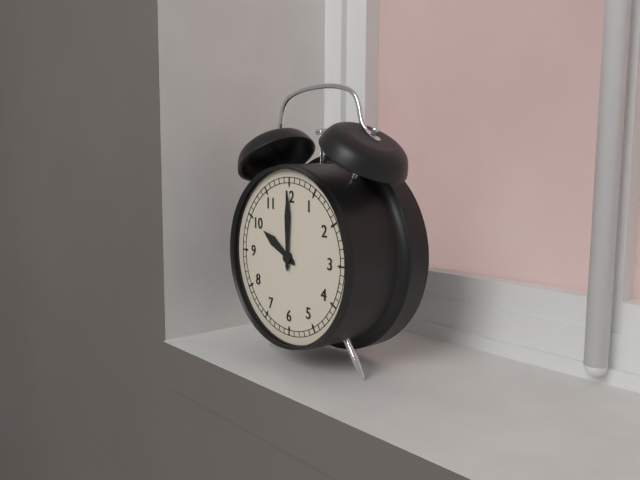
{"hour": 10, "minute": 0}
